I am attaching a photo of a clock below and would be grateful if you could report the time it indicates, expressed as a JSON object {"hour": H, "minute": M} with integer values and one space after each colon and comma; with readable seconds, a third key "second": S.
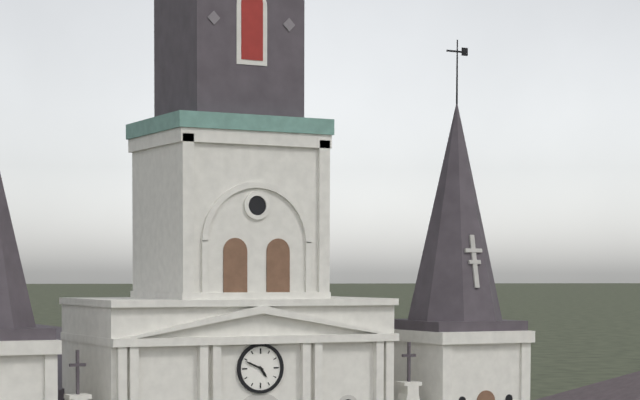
{"hour": 4, "minute": 49}
